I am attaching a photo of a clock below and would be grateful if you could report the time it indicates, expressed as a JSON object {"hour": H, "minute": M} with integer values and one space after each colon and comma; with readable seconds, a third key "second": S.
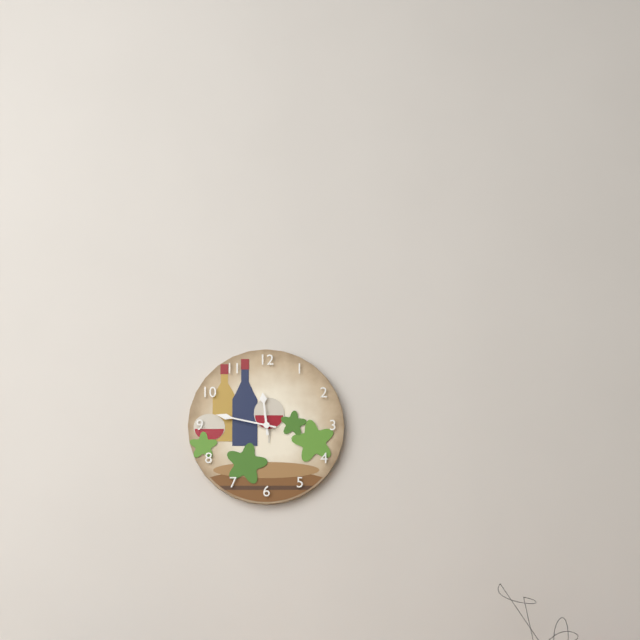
{"hour": 11, "minute": 47}
